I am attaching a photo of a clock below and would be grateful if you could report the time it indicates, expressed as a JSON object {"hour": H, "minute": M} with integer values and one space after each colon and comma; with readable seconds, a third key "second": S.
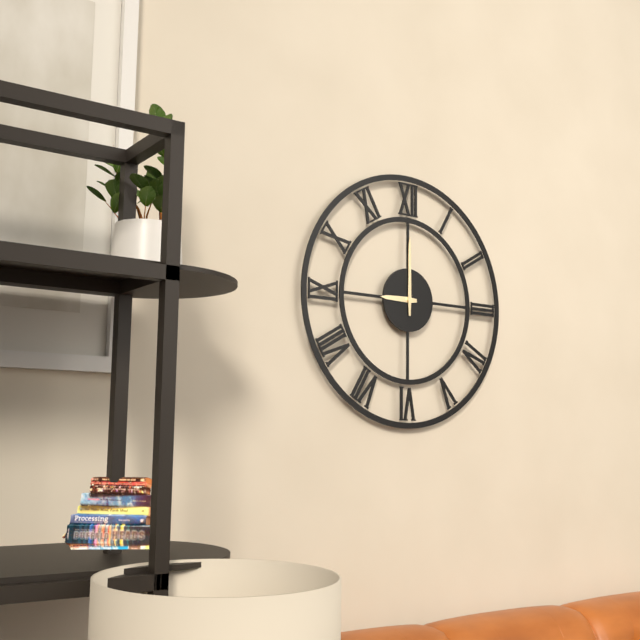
{"hour": 9, "minute": 0}
